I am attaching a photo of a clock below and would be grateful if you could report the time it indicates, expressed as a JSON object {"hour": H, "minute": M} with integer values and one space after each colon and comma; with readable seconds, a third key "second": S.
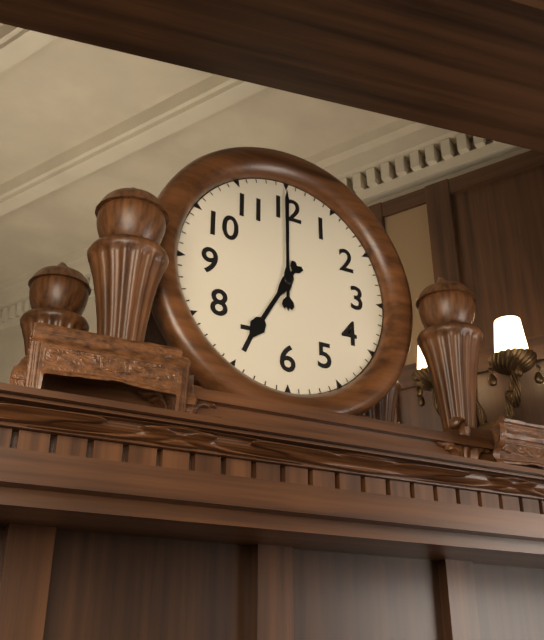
{"hour": 7, "minute": 0}
